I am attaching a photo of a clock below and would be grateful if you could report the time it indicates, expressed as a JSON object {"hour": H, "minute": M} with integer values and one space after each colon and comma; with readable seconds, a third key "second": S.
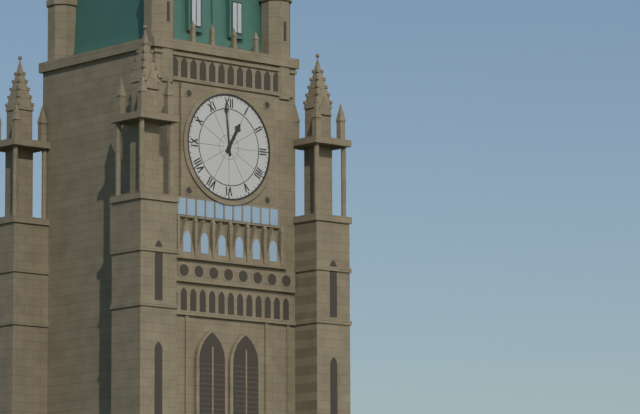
{"hour": 12, "minute": 59}
